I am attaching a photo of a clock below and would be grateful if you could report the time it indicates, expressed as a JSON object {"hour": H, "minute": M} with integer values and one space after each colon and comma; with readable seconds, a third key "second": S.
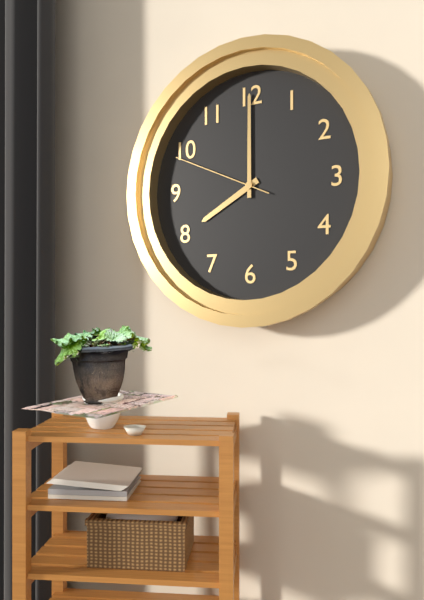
{"hour": 8, "minute": 0, "second": 49}
